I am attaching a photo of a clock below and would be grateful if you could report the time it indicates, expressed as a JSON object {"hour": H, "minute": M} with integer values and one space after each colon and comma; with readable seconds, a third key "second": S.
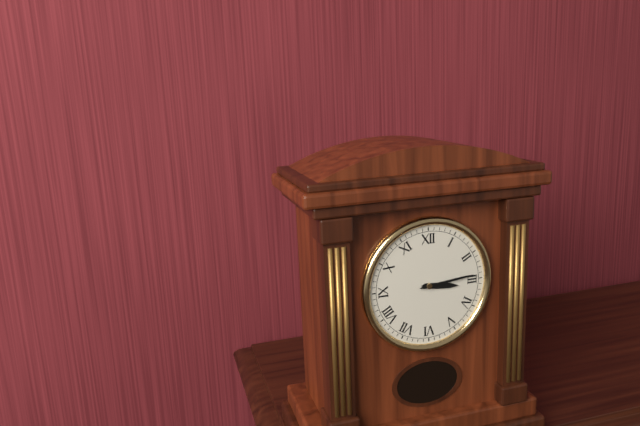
{"hour": 3, "minute": 14}
